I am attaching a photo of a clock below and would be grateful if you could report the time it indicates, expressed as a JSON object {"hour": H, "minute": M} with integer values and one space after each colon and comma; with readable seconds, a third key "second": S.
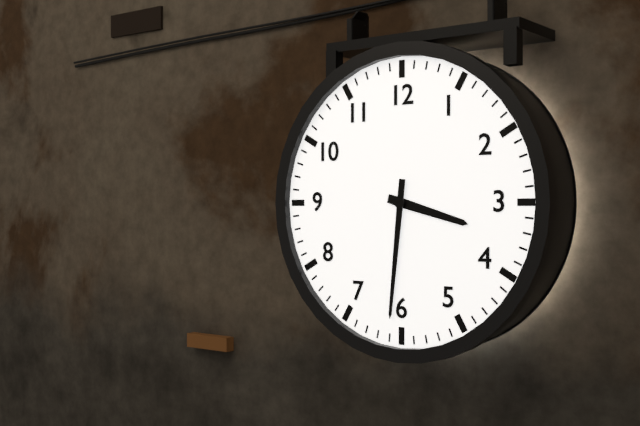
{"hour": 3, "minute": 31}
